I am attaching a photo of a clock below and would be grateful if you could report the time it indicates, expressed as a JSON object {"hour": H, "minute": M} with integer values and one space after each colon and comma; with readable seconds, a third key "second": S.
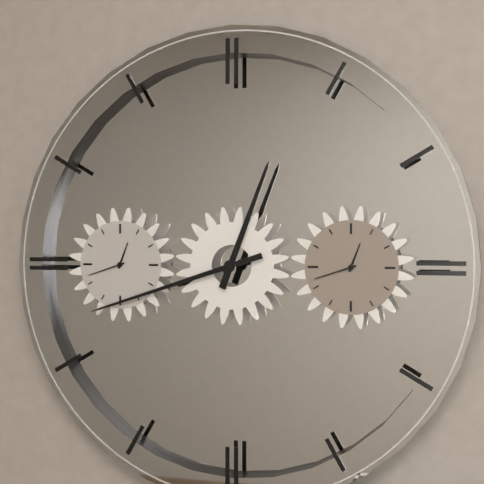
{"hour": 12, "minute": 42}
